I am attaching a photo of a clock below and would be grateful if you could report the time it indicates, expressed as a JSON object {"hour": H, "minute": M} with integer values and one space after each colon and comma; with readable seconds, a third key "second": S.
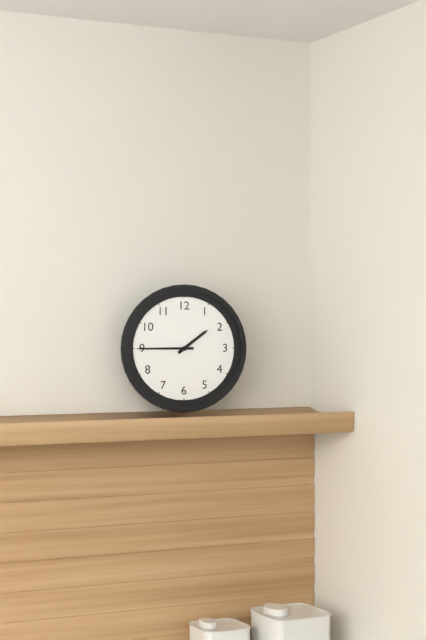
{"hour": 1, "minute": 45}
